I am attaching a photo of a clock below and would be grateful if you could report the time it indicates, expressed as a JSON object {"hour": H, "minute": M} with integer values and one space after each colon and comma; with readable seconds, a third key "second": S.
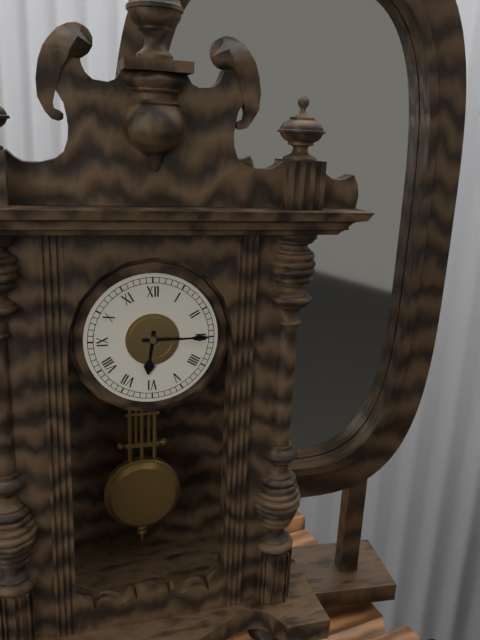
{"hour": 6, "minute": 15}
